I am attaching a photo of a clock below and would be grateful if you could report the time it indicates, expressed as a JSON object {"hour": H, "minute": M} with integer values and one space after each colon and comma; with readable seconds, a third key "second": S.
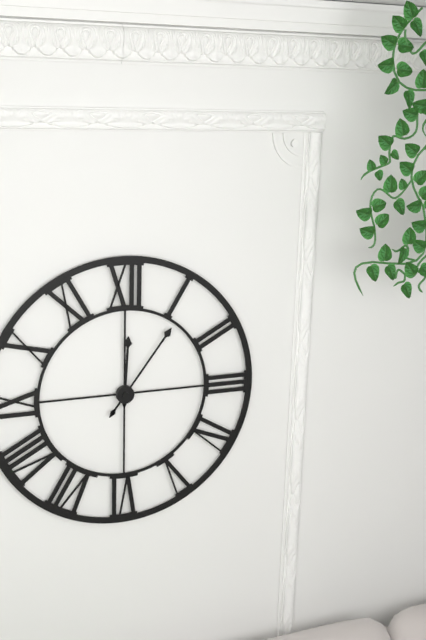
{"hour": 12, "minute": 6}
